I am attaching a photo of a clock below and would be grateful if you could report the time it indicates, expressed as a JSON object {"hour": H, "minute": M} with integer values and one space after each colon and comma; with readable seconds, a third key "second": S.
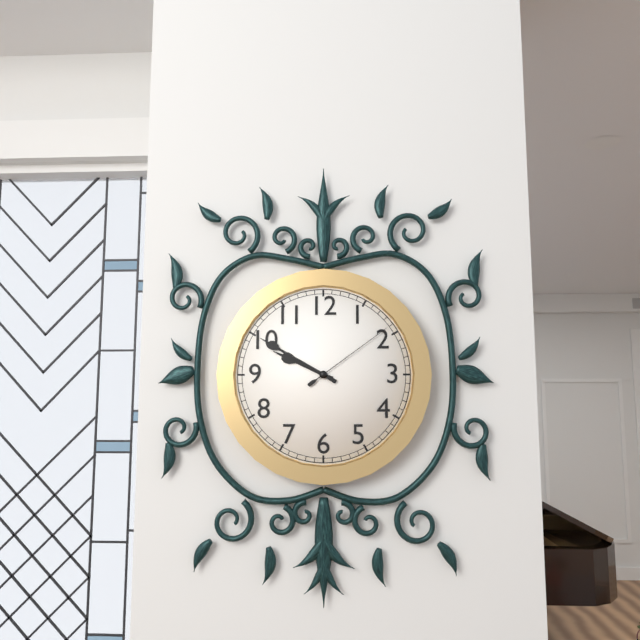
{"hour": 9, "minute": 50, "second": 9}
